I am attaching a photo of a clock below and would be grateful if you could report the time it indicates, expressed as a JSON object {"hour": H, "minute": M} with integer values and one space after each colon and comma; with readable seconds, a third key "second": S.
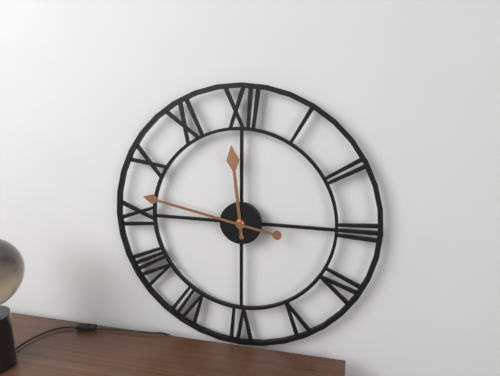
{"hour": 11, "minute": 47}
